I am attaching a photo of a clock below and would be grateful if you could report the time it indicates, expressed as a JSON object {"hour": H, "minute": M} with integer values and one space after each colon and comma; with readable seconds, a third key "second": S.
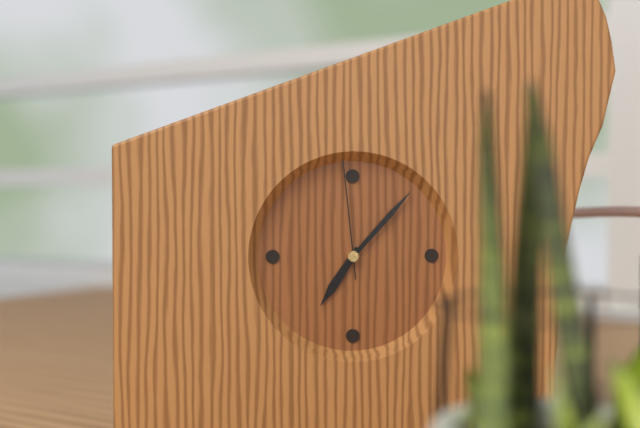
{"hour": 7, "minute": 7, "second": 59}
